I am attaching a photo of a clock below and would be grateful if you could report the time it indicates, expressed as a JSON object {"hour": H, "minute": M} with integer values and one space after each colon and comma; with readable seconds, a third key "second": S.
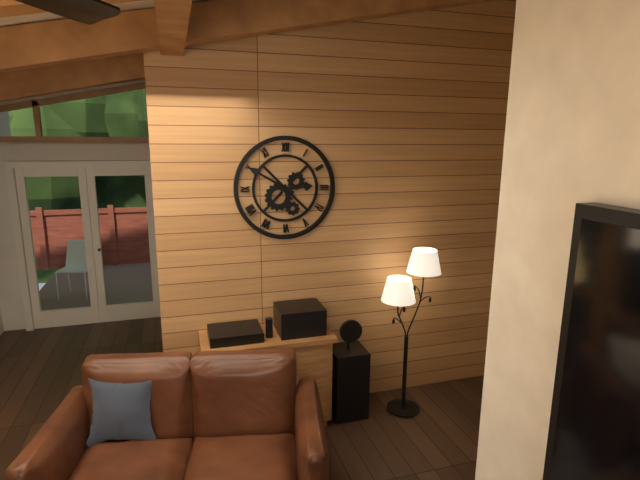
{"hour": 2, "minute": 50}
